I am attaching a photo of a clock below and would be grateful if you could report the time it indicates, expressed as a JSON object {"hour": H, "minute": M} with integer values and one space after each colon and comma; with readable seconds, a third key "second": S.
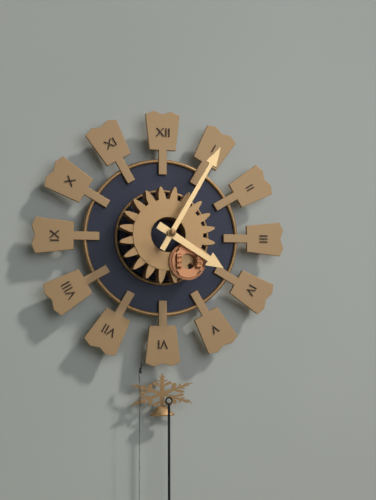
{"hour": 4, "minute": 5}
